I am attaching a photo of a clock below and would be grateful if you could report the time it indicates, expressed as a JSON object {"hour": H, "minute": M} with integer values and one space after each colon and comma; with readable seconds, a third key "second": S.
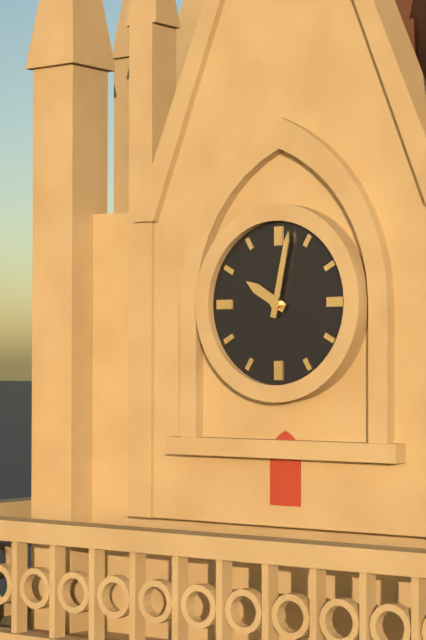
{"hour": 10, "minute": 2}
